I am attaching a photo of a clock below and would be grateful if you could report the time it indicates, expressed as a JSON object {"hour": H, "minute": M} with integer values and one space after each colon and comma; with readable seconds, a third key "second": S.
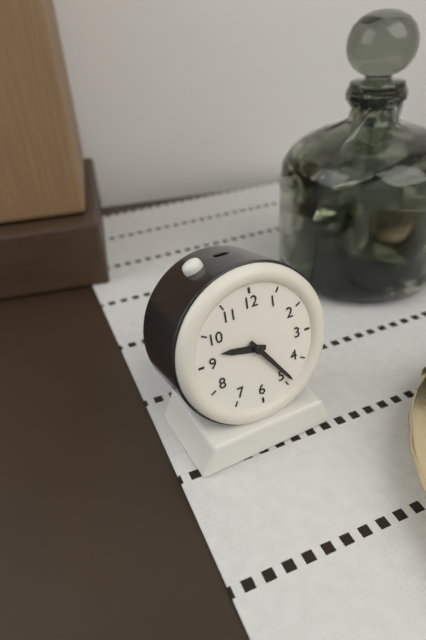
{"hour": 9, "minute": 24}
